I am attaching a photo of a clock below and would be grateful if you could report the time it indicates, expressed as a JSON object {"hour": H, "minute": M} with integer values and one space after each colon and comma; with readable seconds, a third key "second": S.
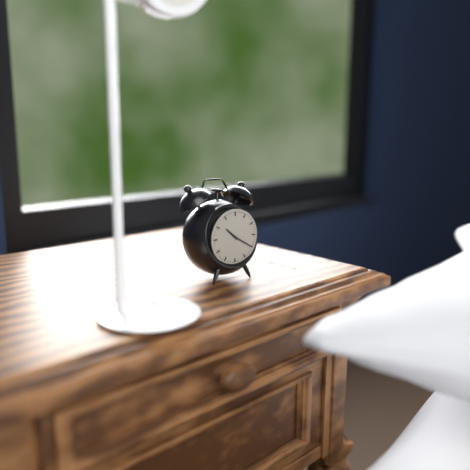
{"hour": 10, "minute": 20}
